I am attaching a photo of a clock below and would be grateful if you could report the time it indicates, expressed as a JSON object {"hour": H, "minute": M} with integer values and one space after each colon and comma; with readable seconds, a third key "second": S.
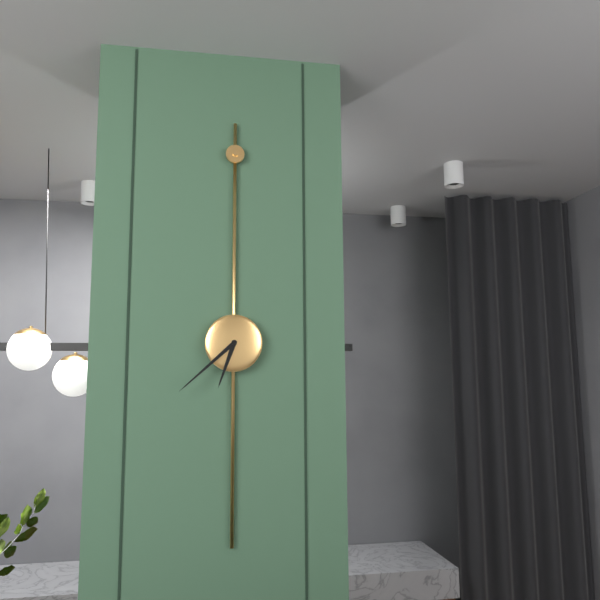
{"hour": 6, "minute": 38}
